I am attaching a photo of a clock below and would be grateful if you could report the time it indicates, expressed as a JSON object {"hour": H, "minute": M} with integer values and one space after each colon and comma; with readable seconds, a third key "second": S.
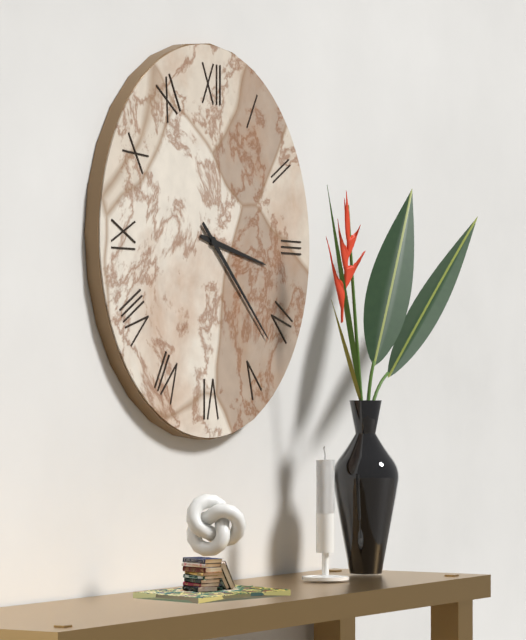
{"hour": 3, "minute": 22}
